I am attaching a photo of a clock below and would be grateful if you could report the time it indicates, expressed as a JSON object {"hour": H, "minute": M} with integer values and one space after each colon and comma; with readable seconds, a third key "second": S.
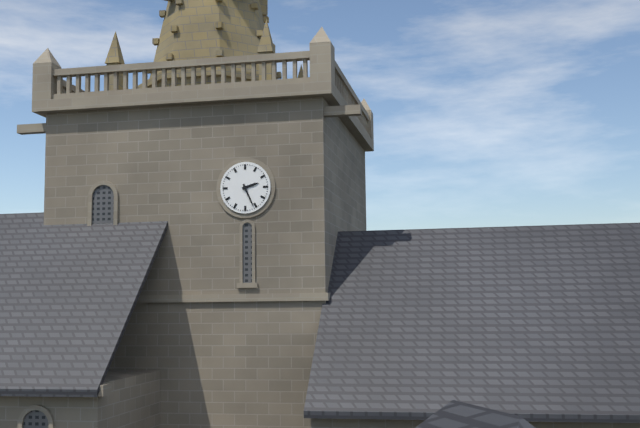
{"hour": 2, "minute": 26}
